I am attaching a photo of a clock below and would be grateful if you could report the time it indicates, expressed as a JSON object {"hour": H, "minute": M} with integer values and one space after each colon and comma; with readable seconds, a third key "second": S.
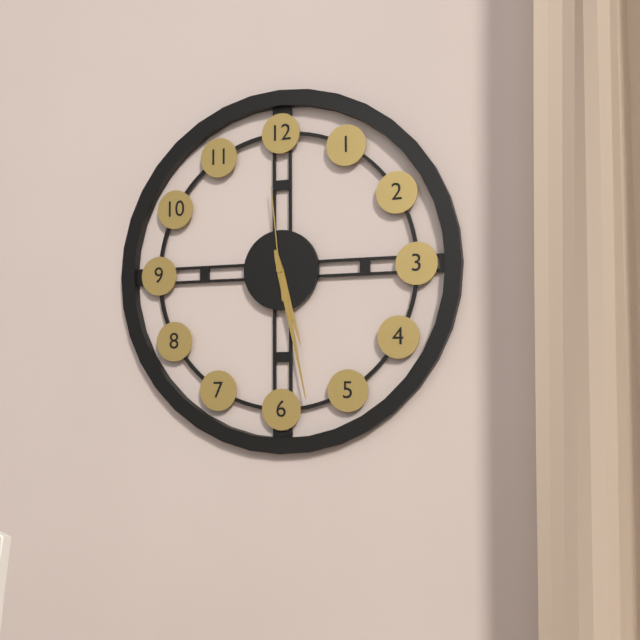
{"hour": 5, "minute": 28, "second": 59}
